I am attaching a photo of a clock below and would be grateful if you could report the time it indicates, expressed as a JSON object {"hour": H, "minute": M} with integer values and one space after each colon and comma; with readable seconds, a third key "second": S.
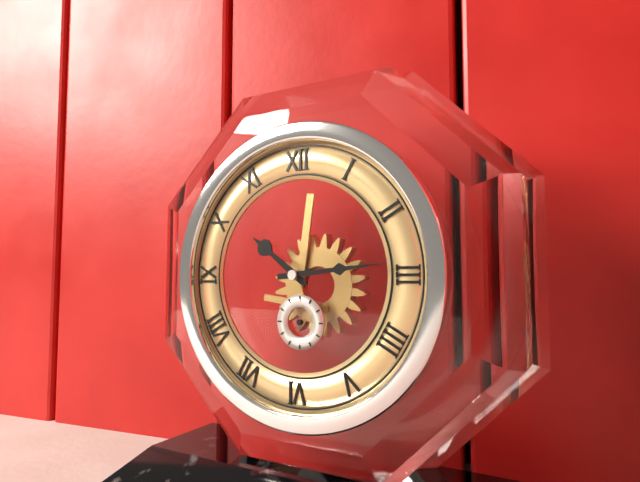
{"hour": 10, "minute": 14}
